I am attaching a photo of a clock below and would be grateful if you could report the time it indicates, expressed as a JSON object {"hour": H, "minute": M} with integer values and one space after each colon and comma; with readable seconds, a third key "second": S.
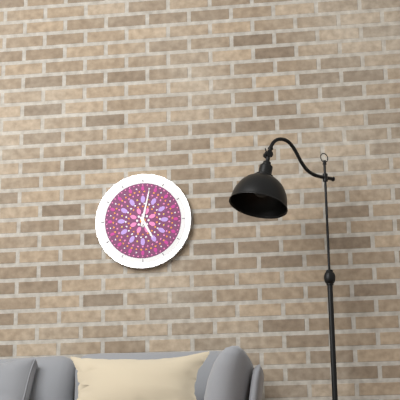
{"hour": 5, "minute": 2}
